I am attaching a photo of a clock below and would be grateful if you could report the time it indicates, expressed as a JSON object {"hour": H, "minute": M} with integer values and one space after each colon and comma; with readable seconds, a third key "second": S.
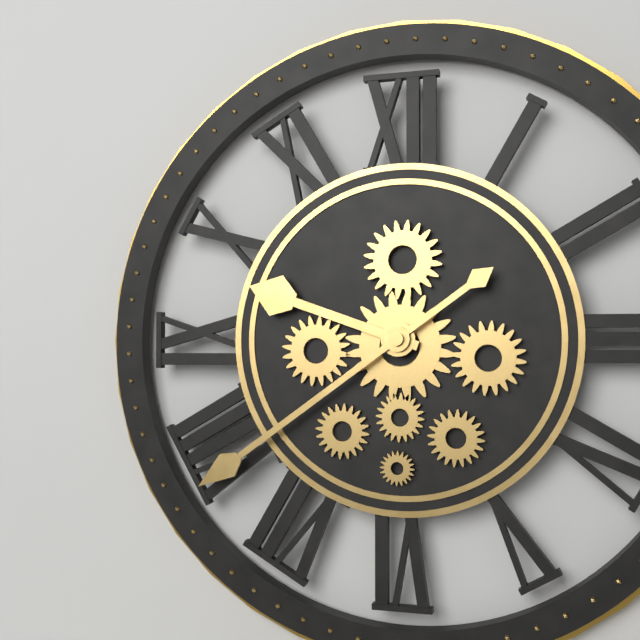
{"hour": 9, "minute": 39}
